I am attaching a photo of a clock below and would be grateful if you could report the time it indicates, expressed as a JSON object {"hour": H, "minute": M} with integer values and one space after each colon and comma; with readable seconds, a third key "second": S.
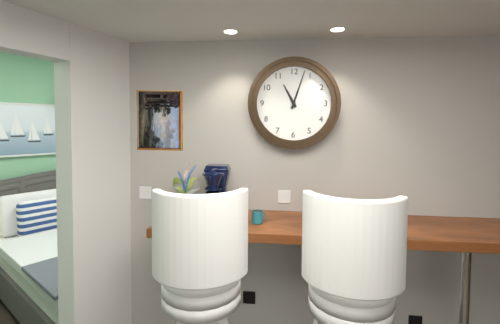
{"hour": 11, "minute": 3}
